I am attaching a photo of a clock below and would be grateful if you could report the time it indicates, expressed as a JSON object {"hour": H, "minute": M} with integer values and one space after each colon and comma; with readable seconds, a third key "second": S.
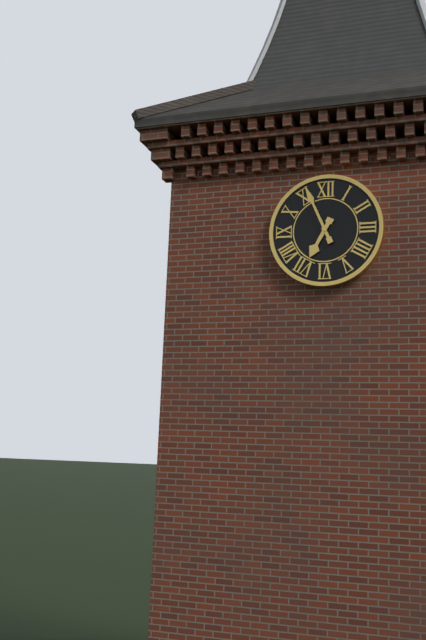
{"hour": 6, "minute": 56}
